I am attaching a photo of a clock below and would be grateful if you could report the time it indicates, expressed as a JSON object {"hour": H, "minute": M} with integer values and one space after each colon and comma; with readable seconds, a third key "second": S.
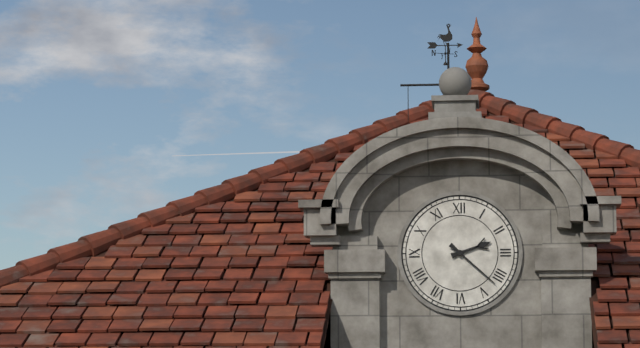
{"hour": 2, "minute": 22}
